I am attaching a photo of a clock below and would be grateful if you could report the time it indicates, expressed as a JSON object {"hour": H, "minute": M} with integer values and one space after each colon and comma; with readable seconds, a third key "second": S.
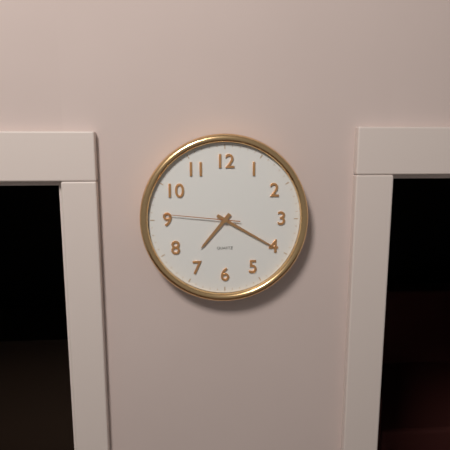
{"hour": 7, "minute": 20, "second": 46}
